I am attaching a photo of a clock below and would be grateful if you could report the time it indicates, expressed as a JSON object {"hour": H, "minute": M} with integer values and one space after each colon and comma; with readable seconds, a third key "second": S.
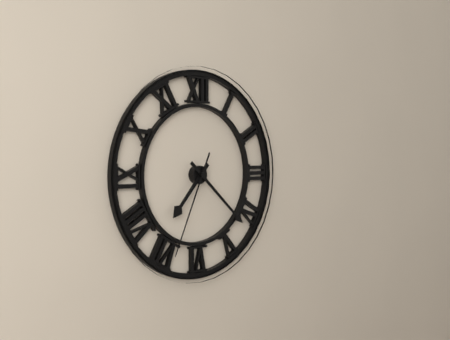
{"hour": 7, "minute": 22, "second": 34}
